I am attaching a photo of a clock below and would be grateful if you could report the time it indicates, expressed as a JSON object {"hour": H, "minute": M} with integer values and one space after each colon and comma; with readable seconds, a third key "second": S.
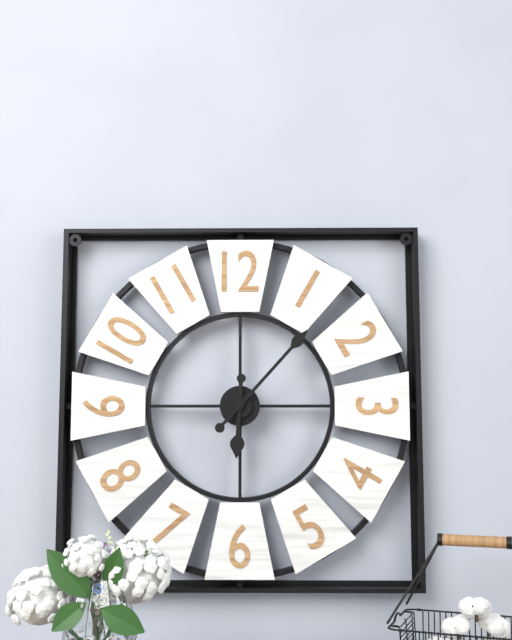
{"hour": 6, "minute": 7}
